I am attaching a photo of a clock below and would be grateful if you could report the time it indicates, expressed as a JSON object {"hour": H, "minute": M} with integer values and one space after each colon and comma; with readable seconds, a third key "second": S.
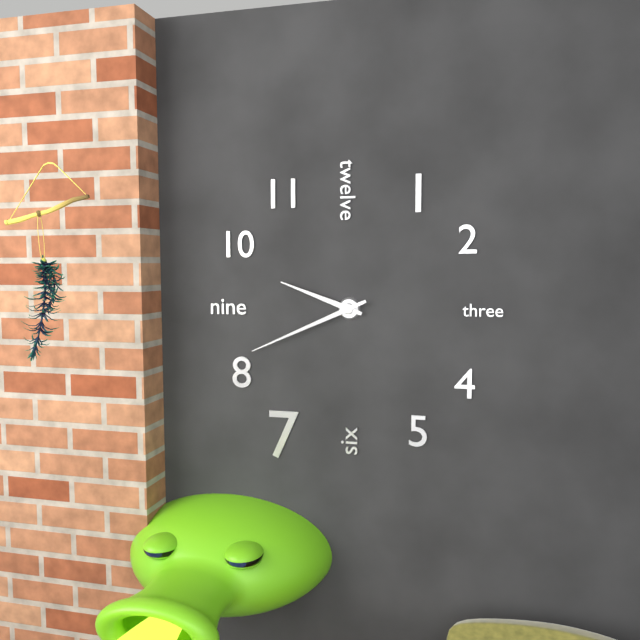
{"hour": 9, "minute": 41}
